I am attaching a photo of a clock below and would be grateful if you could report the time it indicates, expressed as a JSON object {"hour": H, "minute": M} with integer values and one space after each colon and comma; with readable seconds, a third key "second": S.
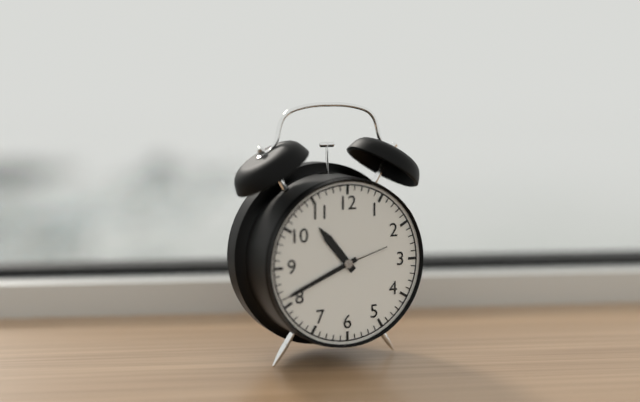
{"hour": 10, "minute": 41, "second": 12}
